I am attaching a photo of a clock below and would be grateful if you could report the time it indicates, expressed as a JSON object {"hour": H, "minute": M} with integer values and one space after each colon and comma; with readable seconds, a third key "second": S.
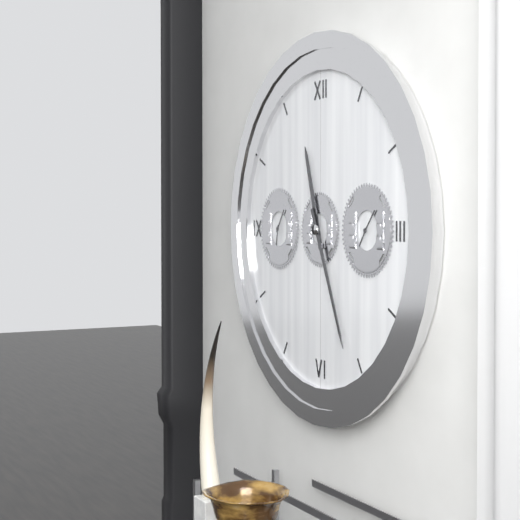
{"hour": 11, "minute": 26}
